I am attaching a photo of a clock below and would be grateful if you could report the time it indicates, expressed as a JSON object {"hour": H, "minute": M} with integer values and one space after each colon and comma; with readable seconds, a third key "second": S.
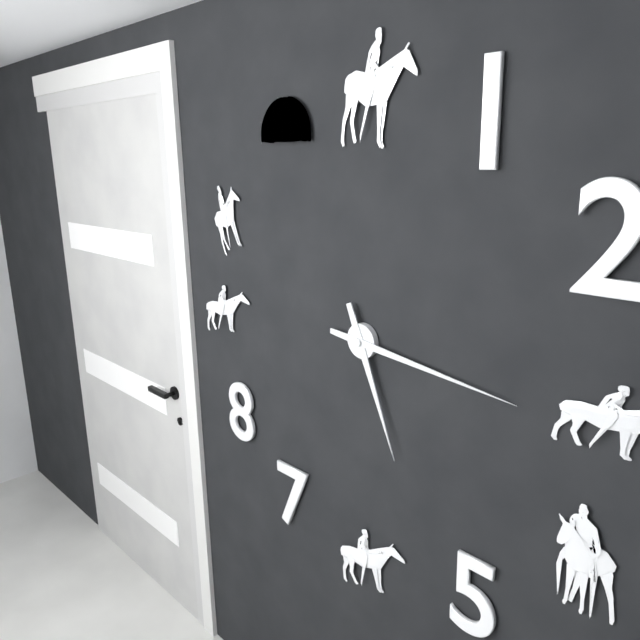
{"hour": 5, "minute": 16}
